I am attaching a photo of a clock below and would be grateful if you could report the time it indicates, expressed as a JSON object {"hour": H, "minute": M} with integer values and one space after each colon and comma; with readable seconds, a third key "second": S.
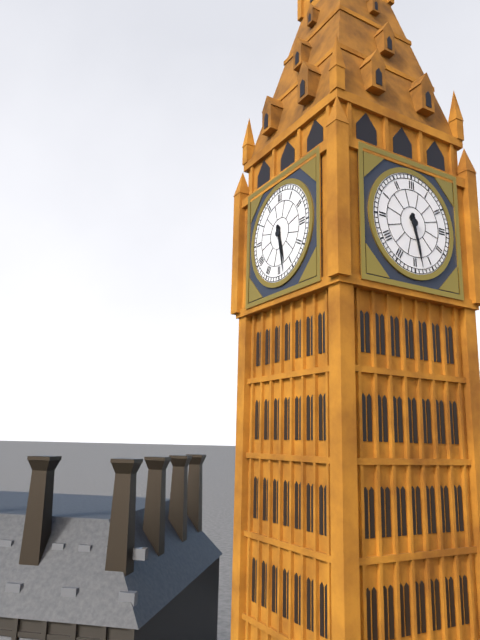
{"hour": 5, "minute": 28}
